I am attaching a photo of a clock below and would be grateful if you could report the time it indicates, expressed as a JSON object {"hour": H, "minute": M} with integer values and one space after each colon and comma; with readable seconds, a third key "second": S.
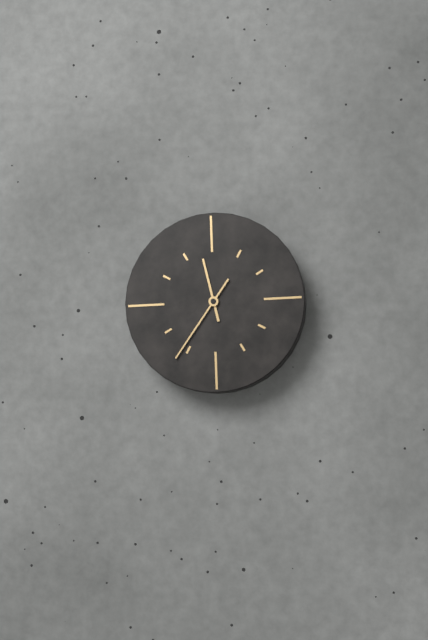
{"hour": 11, "minute": 36}
